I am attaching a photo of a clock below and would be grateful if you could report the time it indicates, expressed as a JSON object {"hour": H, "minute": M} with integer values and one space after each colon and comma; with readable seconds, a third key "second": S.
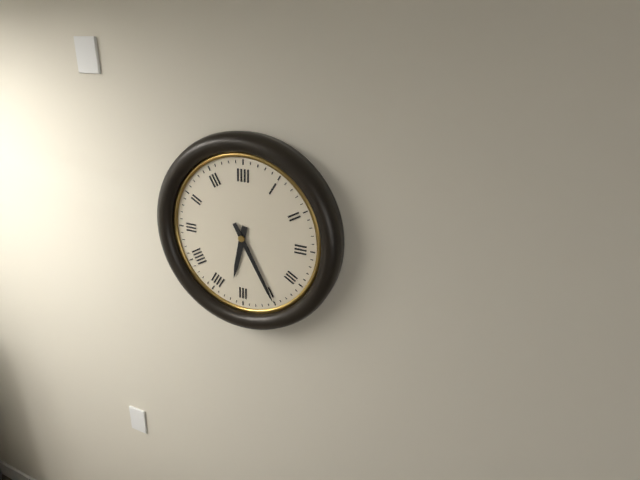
{"hour": 6, "minute": 25}
